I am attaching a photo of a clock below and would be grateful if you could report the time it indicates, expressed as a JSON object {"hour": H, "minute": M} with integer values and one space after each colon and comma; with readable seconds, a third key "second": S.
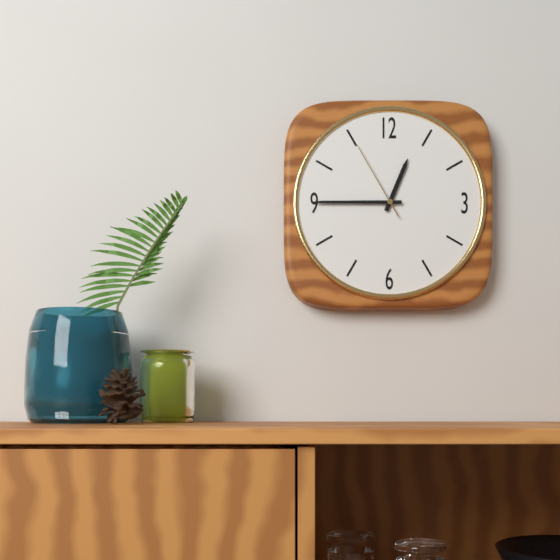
{"hour": 12, "minute": 45, "second": 55}
